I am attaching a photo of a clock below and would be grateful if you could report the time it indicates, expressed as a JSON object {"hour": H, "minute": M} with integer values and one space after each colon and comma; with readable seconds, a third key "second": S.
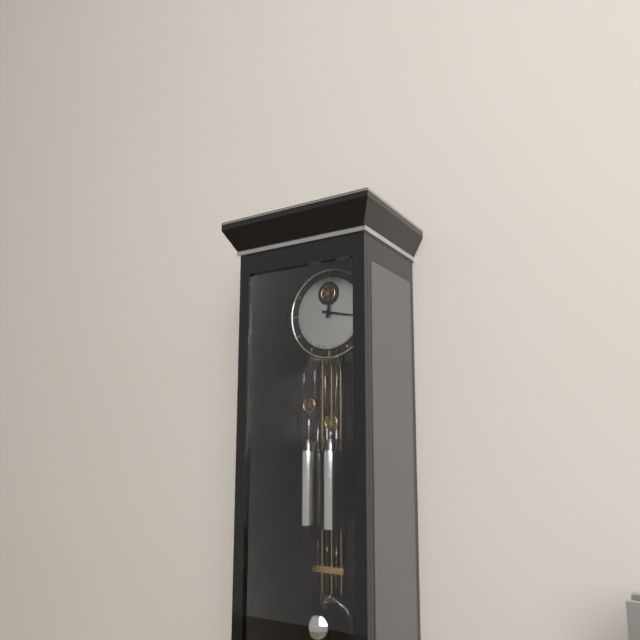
{"hour": 12, "minute": 17}
